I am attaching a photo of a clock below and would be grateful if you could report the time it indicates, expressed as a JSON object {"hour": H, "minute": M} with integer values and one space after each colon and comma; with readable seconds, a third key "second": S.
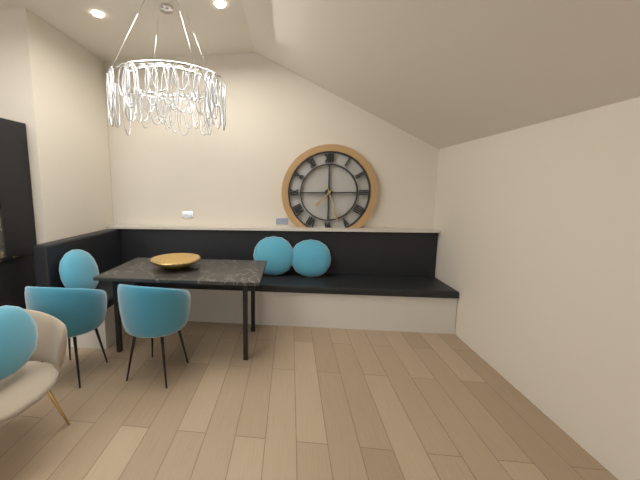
{"hour": 7, "minute": 27}
